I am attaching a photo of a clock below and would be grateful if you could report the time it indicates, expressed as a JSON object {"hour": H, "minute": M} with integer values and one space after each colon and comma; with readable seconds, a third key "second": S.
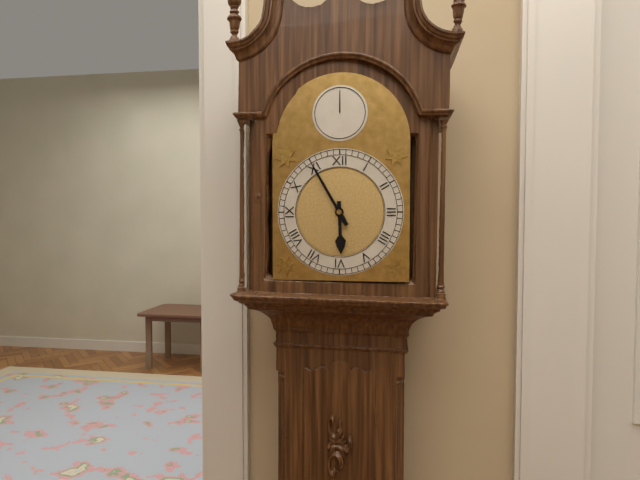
{"hour": 5, "minute": 55}
